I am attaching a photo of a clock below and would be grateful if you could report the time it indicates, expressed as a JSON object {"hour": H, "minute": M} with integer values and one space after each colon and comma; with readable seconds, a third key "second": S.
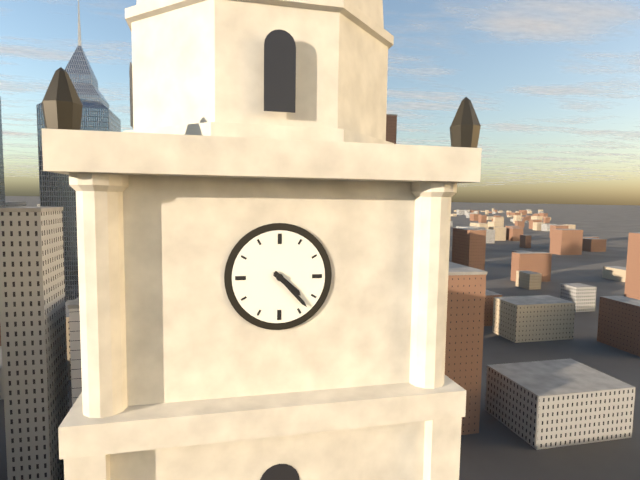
{"hour": 4, "minute": 23}
